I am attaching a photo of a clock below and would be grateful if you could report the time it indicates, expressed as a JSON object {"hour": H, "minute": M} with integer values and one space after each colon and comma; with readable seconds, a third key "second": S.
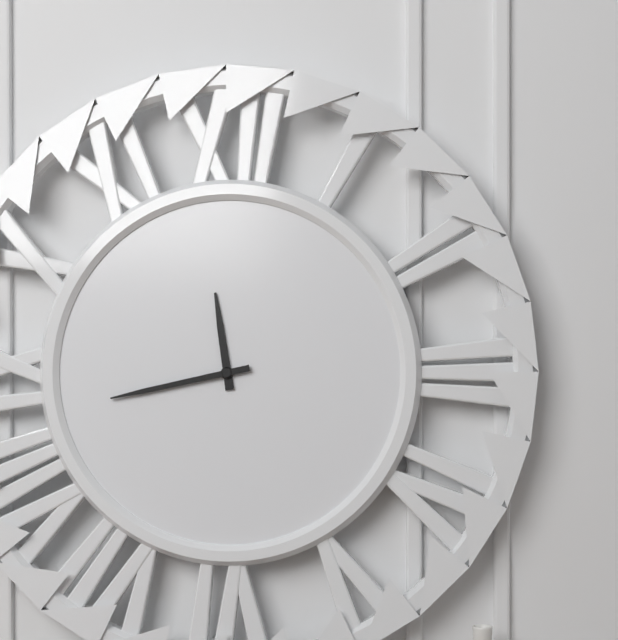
{"hour": 11, "minute": 43}
